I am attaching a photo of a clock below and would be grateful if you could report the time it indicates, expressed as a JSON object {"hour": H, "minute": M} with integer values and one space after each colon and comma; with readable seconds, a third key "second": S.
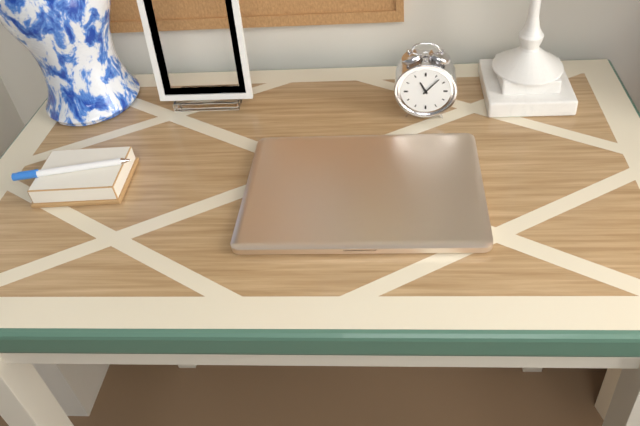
{"hour": 11, "minute": 7}
